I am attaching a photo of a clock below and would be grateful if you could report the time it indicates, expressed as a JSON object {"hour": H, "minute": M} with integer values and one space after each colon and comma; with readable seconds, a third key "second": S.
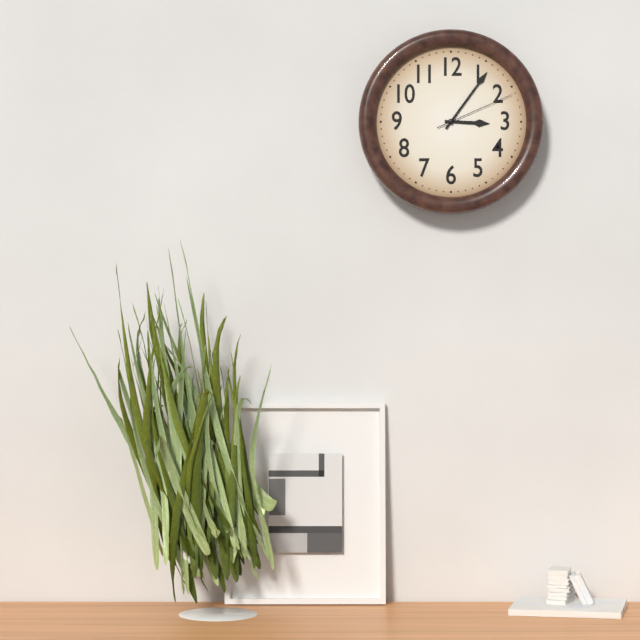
{"hour": 3, "minute": 6, "second": 11}
